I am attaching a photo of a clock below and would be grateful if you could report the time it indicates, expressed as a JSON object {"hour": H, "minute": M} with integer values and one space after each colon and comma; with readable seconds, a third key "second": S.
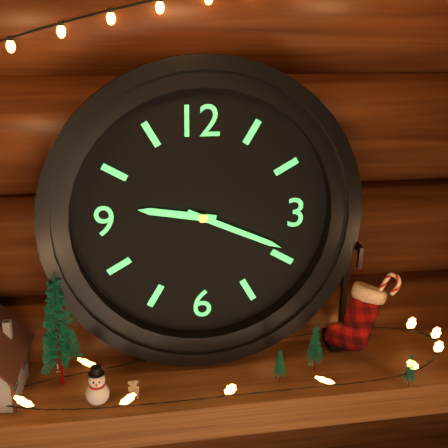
{"hour": 9, "minute": 19}
